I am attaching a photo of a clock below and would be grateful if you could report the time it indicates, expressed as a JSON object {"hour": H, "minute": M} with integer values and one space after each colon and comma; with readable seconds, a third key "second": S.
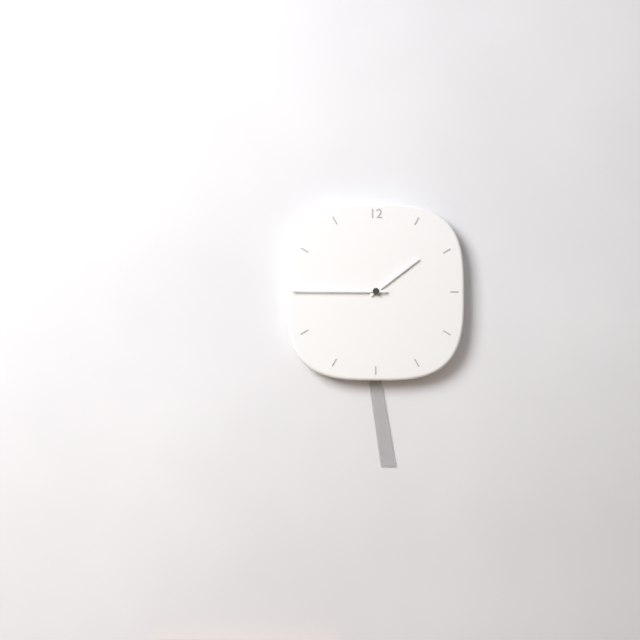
{"hour": 1, "minute": 45}
